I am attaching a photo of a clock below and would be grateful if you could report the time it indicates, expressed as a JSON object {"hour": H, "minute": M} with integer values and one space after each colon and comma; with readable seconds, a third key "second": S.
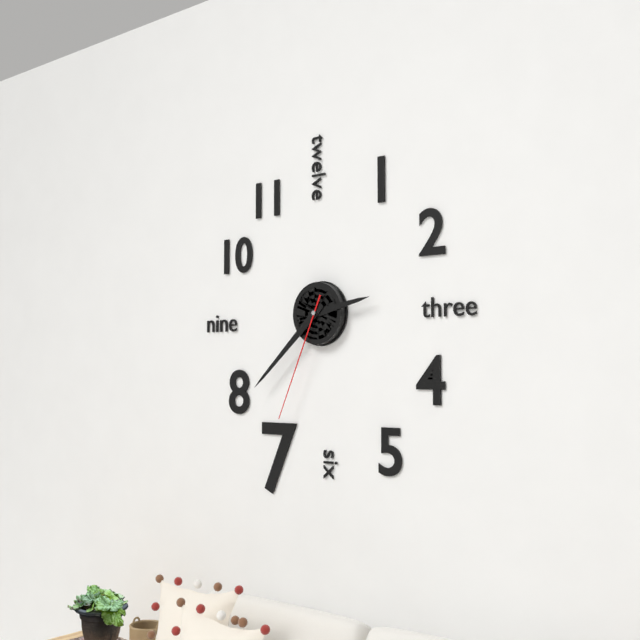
{"hour": 2, "minute": 38, "second": 34}
